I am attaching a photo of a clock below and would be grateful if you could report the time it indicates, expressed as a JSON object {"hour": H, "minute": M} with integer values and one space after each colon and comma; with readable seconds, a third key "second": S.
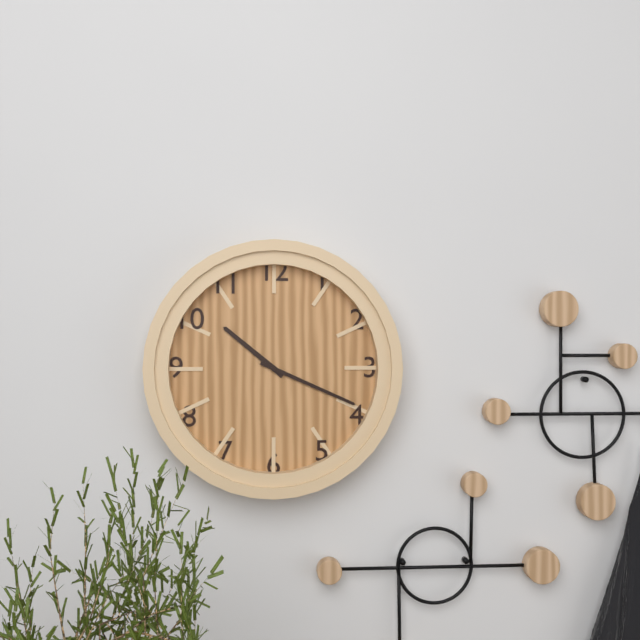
{"hour": 10, "minute": 19}
